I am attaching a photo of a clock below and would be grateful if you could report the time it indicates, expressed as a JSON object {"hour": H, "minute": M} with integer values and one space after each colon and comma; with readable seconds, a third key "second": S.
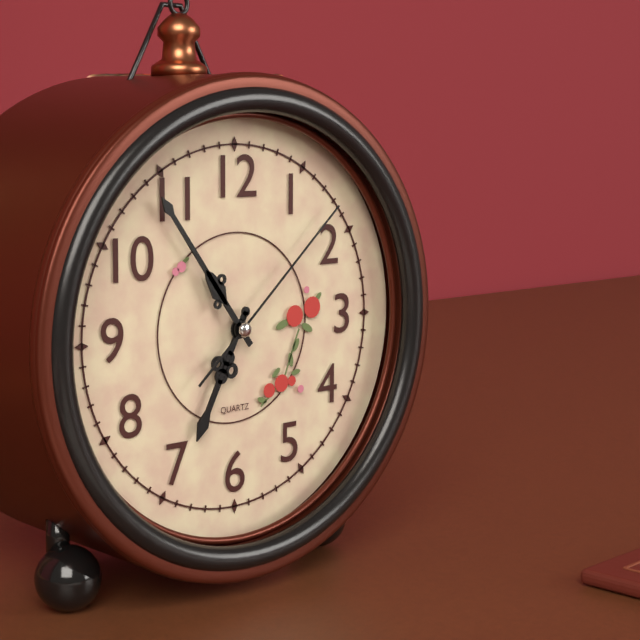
{"hour": 6, "minute": 54, "second": 8}
